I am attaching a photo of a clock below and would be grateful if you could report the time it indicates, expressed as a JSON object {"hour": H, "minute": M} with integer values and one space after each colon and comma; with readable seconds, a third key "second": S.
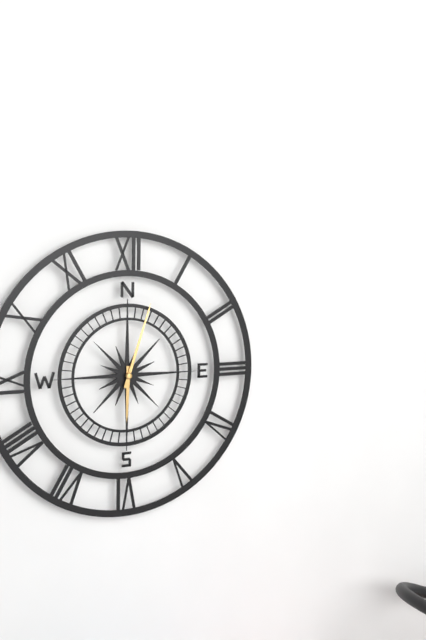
{"hour": 6, "minute": 3}
